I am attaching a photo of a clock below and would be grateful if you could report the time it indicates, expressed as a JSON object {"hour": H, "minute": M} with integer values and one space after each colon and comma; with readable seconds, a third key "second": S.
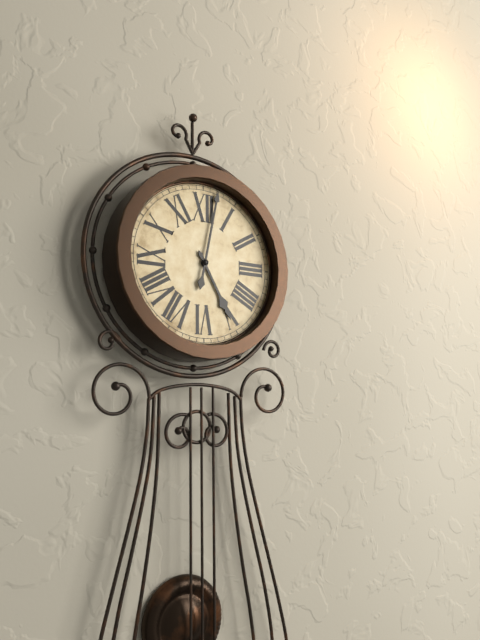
{"hour": 5, "minute": 2}
